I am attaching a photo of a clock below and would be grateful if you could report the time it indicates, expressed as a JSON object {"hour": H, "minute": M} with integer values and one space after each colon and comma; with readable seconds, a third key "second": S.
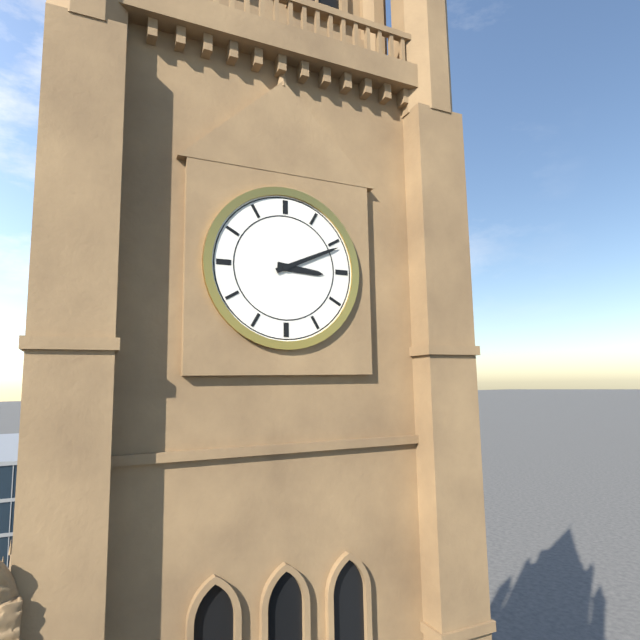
{"hour": 3, "minute": 11}
